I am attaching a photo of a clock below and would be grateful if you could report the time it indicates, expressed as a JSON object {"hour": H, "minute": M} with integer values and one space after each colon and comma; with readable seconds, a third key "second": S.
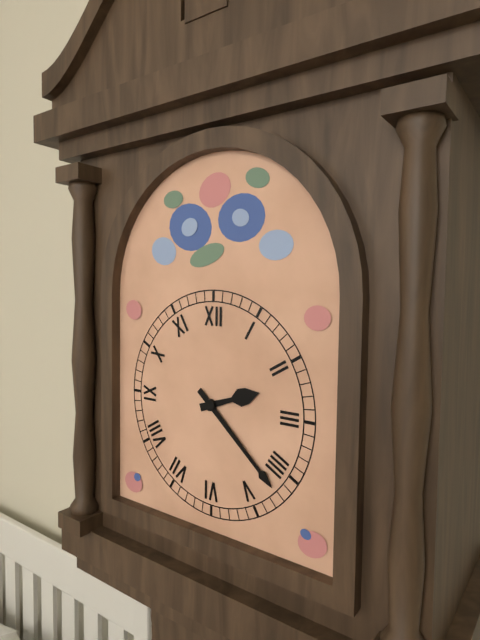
{"hour": 2, "minute": 22}
